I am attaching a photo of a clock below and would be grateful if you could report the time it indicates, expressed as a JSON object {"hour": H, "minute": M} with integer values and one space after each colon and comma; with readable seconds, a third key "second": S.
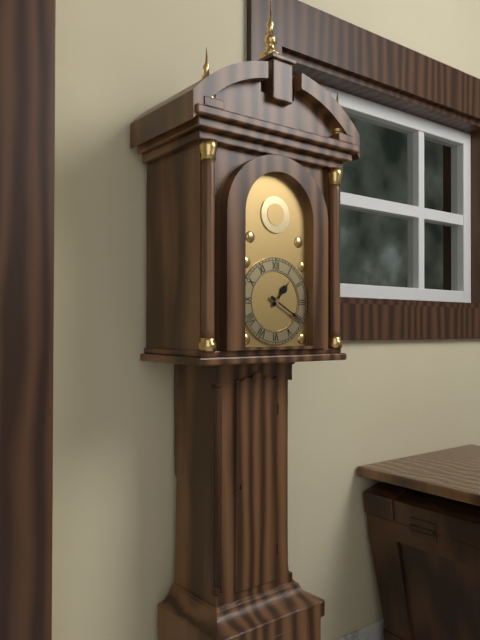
{"hour": 1, "minute": 20}
